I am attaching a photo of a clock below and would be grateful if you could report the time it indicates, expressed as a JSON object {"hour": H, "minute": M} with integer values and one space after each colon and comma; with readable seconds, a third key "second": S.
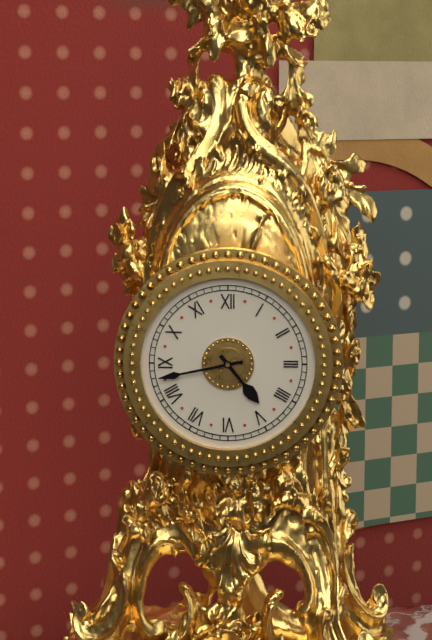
{"hour": 4, "minute": 43}
